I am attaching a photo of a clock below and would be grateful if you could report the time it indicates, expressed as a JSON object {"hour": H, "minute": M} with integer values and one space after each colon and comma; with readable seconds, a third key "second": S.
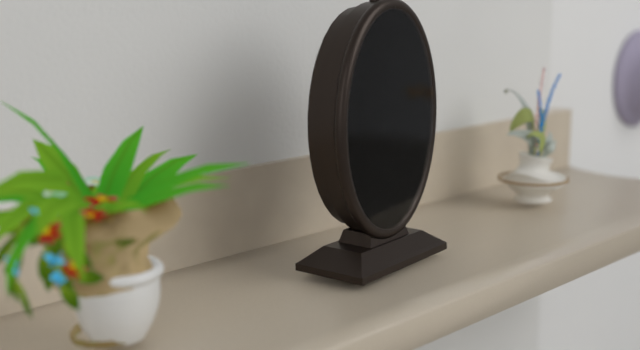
{"hour": 4, "minute": 0}
